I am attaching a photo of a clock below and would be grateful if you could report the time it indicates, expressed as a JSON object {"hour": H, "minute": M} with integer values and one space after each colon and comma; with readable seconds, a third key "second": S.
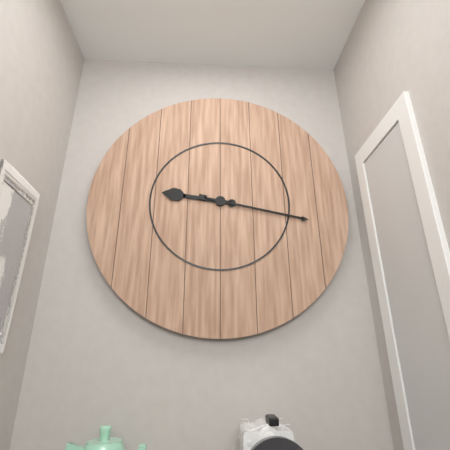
{"hour": 9, "minute": 17}
